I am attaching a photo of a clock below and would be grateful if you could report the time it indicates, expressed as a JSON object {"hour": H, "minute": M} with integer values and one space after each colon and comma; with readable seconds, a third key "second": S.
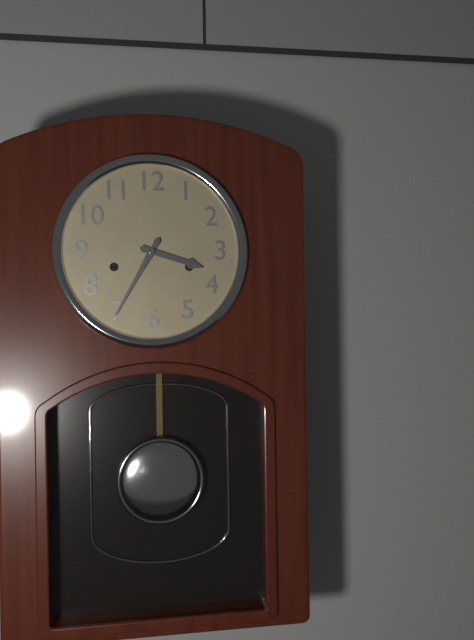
{"hour": 3, "minute": 35}
